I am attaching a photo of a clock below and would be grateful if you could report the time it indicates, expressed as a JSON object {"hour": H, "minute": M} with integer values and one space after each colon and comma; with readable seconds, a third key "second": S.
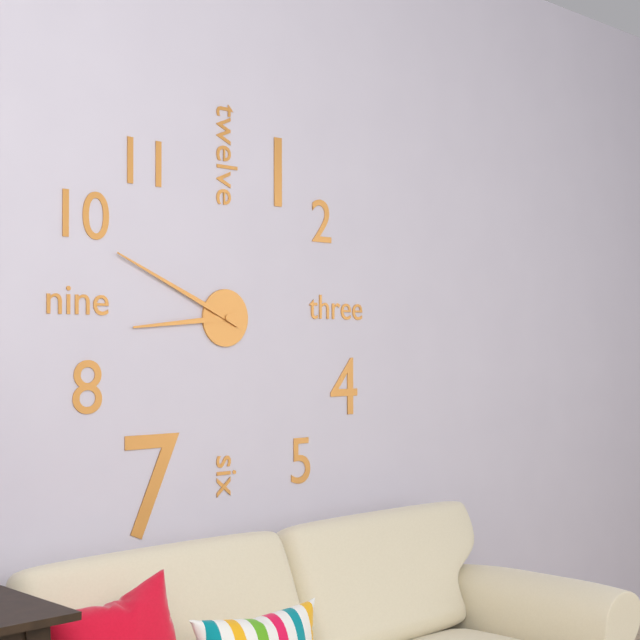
{"hour": 8, "minute": 49}
